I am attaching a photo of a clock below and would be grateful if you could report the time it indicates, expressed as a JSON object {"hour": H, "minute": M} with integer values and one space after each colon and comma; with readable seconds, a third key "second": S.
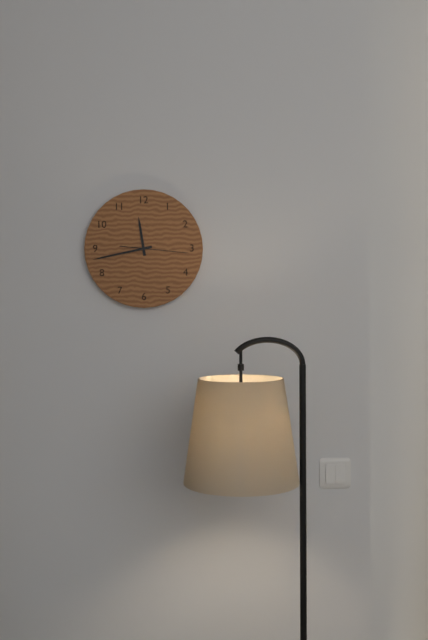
{"hour": 11, "minute": 43, "second": 16}
